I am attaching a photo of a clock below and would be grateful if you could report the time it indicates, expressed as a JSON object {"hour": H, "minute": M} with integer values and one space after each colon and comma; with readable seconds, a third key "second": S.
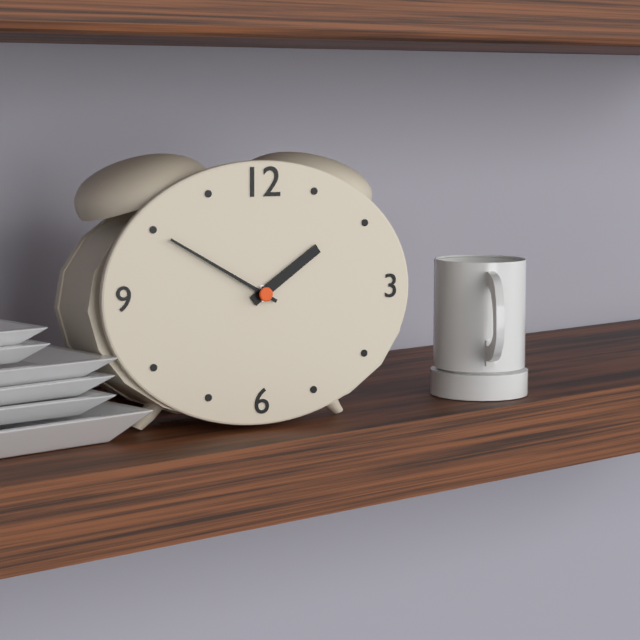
{"hour": 1, "minute": 50}
